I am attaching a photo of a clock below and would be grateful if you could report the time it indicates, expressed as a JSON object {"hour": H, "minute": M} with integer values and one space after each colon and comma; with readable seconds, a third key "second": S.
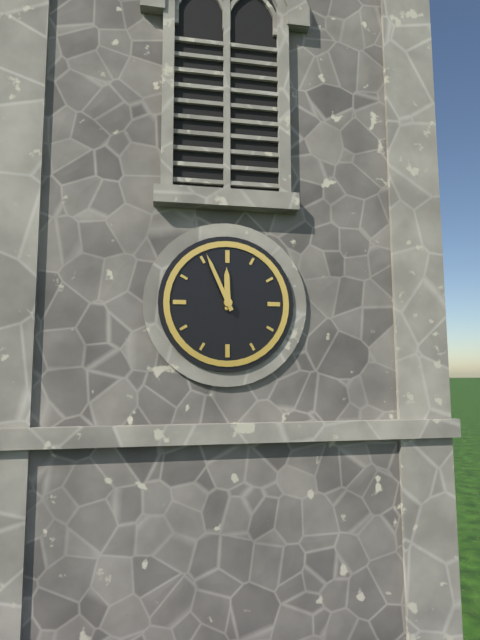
{"hour": 11, "minute": 56}
